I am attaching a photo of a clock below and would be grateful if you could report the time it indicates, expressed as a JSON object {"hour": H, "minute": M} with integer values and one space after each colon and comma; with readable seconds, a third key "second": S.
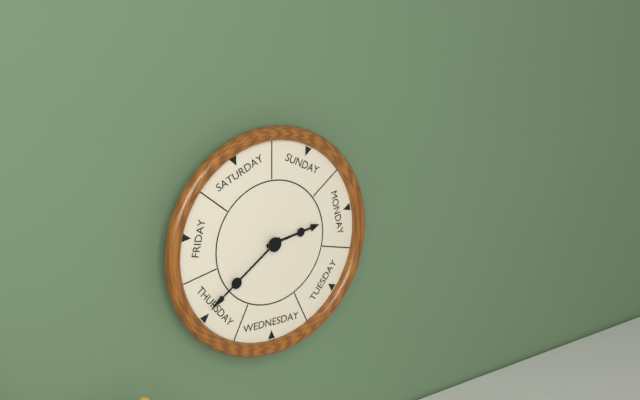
{"hour": 2, "minute": 39}
